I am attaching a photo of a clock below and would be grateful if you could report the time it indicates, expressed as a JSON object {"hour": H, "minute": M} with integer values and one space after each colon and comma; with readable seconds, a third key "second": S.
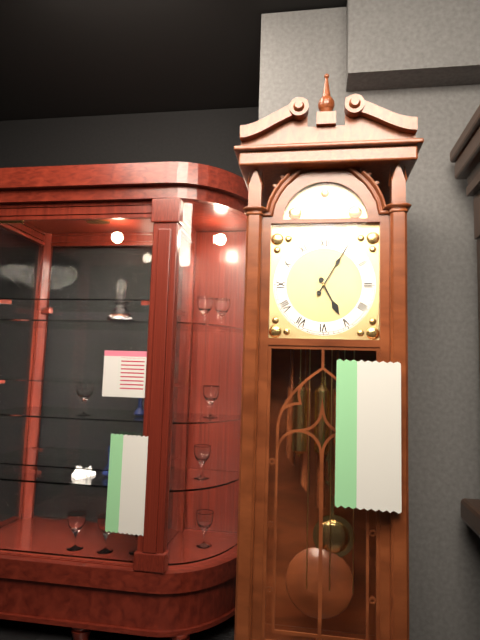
{"hour": 5, "minute": 5}
